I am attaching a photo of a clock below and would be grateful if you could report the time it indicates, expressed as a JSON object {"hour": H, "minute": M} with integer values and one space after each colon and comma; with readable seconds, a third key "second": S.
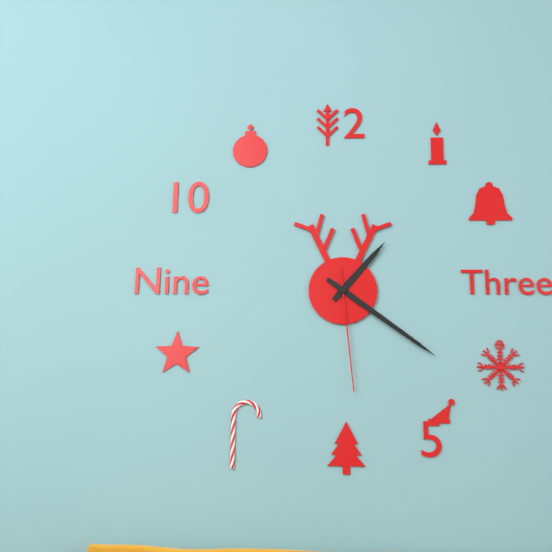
{"hour": 1, "minute": 21, "second": 29}
